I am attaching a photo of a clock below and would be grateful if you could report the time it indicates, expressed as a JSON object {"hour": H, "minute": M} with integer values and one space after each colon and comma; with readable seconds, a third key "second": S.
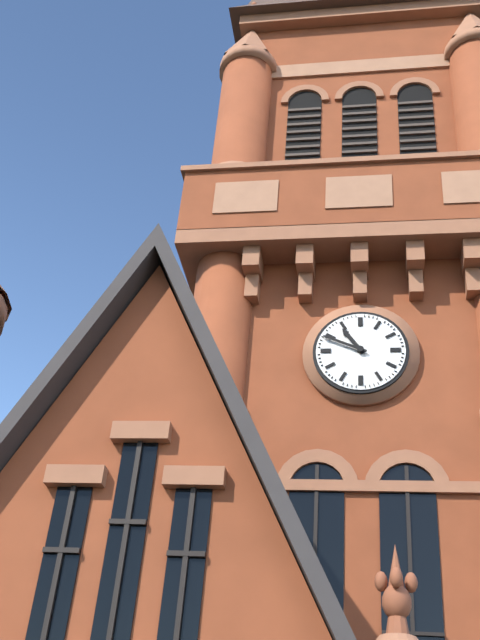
{"hour": 10, "minute": 49}
